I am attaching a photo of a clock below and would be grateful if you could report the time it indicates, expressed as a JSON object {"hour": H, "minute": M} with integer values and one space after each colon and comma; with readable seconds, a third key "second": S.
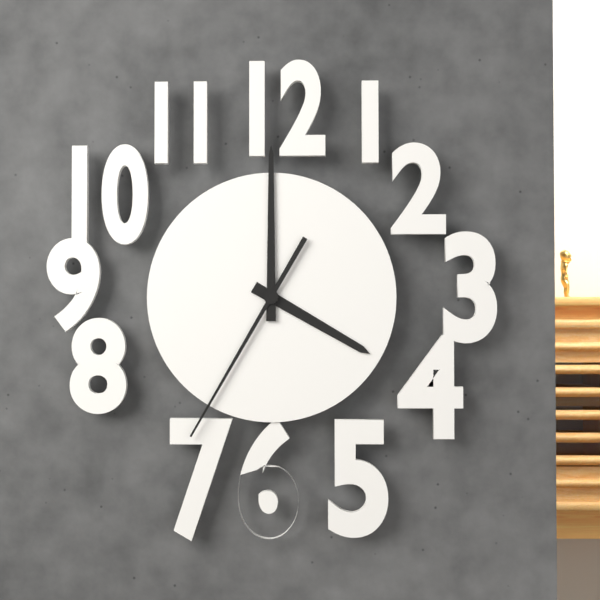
{"hour": 4, "minute": 0, "second": 35}
